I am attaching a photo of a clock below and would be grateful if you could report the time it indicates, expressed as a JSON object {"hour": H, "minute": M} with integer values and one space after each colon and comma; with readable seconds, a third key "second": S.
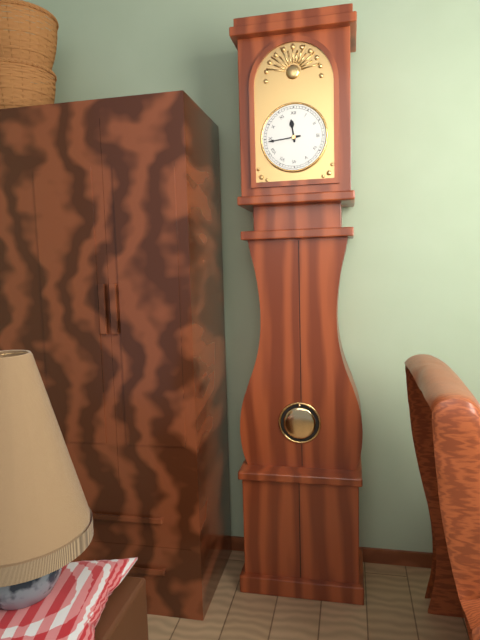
{"hour": 11, "minute": 44}
